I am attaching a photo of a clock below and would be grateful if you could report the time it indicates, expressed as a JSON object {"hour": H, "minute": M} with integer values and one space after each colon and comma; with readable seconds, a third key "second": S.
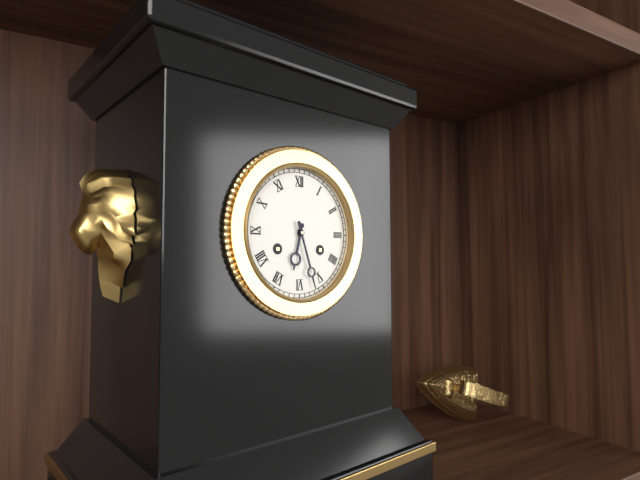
{"hour": 6, "minute": 27}
